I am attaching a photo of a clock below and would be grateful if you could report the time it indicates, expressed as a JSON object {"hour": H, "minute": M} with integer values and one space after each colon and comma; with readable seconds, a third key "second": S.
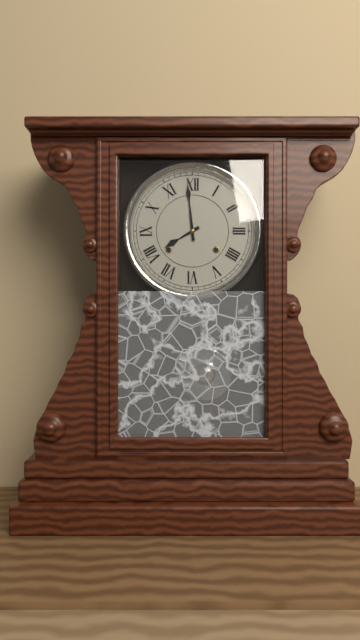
{"hour": 7, "minute": 59}
